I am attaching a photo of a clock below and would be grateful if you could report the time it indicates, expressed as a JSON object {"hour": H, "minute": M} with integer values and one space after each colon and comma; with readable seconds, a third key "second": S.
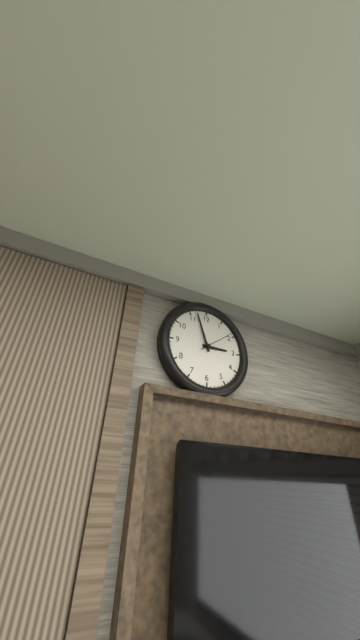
{"hour": 2, "minute": 57}
